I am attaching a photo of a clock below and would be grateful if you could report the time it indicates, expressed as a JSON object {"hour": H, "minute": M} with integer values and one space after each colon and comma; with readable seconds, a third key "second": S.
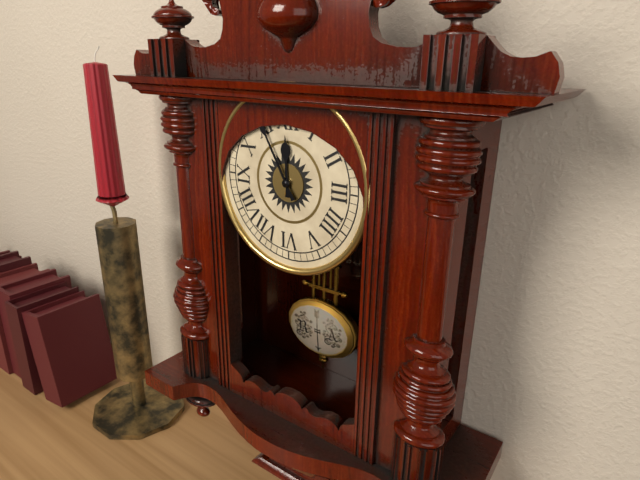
{"hour": 11, "minute": 55}
